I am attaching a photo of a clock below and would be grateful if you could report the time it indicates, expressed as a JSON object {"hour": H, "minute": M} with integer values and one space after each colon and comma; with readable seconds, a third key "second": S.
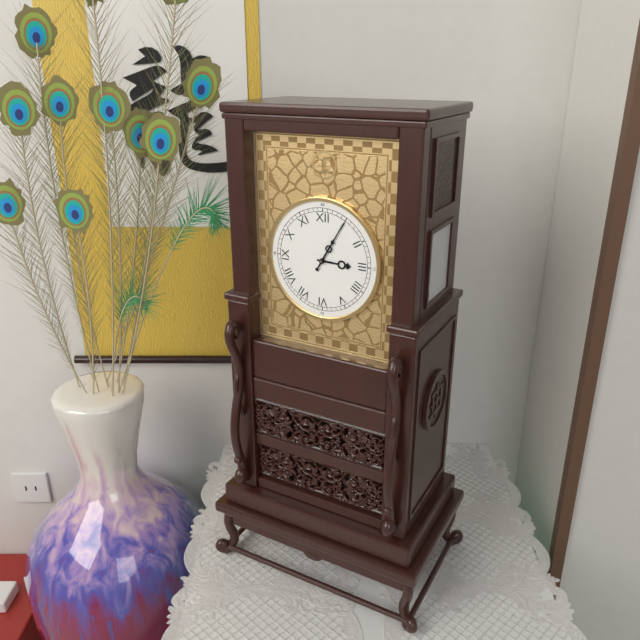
{"hour": 3, "minute": 5}
